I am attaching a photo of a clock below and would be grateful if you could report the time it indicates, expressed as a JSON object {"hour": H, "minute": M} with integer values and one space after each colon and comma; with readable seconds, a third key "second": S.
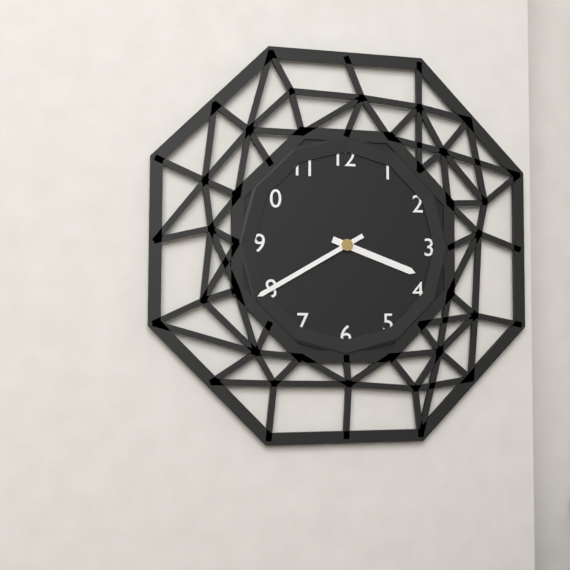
{"hour": 3, "minute": 40}
